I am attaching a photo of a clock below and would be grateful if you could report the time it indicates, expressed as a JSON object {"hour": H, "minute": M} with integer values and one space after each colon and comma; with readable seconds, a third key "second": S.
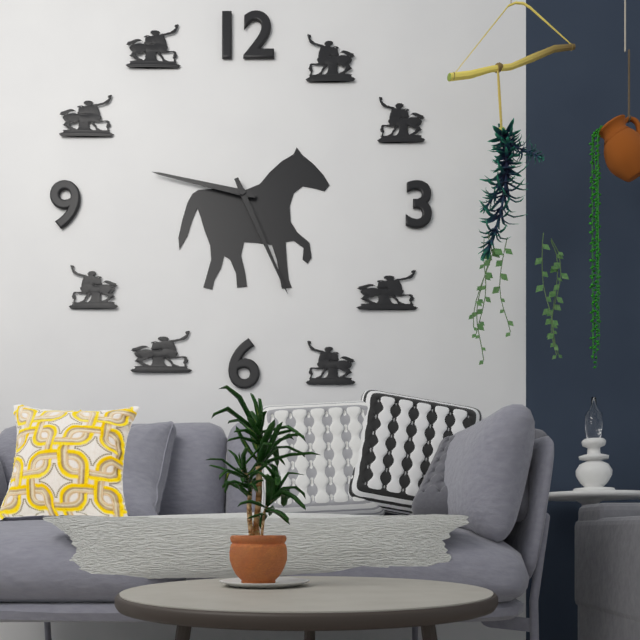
{"hour": 9, "minute": 26}
